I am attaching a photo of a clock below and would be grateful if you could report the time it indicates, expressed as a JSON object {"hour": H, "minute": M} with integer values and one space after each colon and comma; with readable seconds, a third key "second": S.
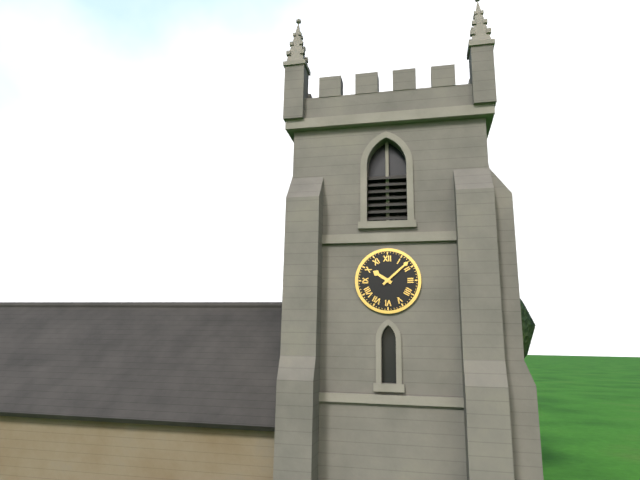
{"hour": 10, "minute": 8}
